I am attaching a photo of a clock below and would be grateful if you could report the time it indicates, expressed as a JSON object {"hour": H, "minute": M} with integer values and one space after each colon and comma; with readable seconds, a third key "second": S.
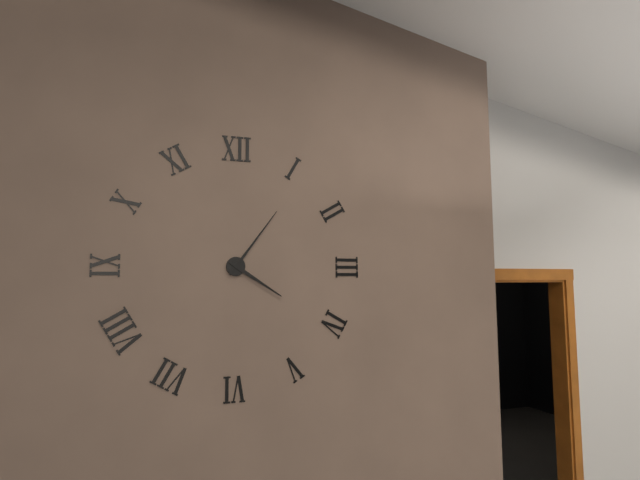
{"hour": 4, "minute": 6}
